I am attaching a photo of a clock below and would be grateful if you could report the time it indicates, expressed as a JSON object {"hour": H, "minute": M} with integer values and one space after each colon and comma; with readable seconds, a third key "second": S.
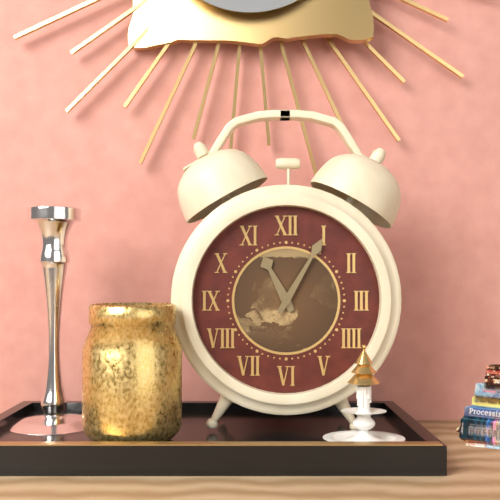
{"hour": 11, "minute": 5}
